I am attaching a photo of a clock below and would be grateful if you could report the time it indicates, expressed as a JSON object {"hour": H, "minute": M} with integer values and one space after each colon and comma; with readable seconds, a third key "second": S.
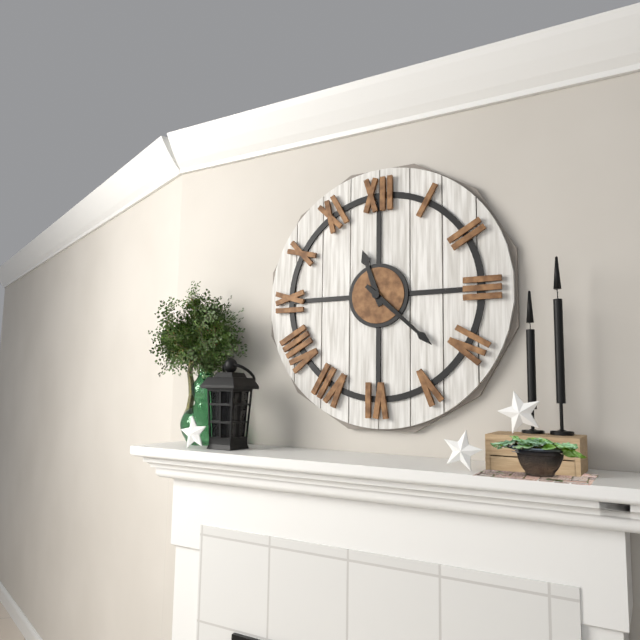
{"hour": 11, "minute": 22}
